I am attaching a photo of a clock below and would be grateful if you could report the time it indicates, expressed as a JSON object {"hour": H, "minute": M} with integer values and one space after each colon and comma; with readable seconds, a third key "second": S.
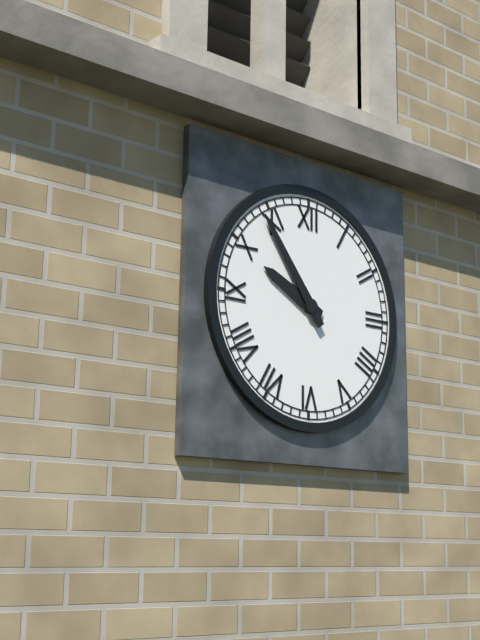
{"hour": 9, "minute": 54}
